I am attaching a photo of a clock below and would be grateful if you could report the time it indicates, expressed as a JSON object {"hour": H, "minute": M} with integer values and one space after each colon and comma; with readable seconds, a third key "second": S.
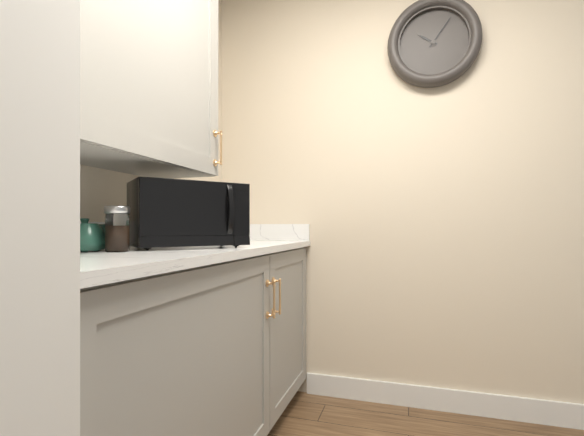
{"hour": 10, "minute": 6}
